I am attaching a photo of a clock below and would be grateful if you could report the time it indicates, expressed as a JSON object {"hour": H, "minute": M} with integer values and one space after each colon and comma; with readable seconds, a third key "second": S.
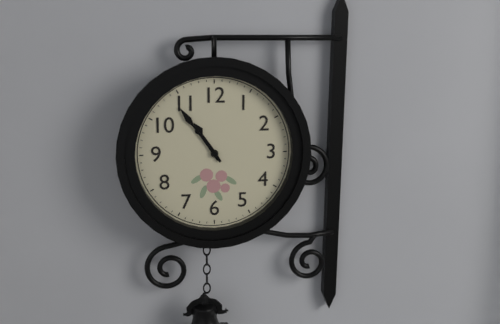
{"hour": 10, "minute": 54}
